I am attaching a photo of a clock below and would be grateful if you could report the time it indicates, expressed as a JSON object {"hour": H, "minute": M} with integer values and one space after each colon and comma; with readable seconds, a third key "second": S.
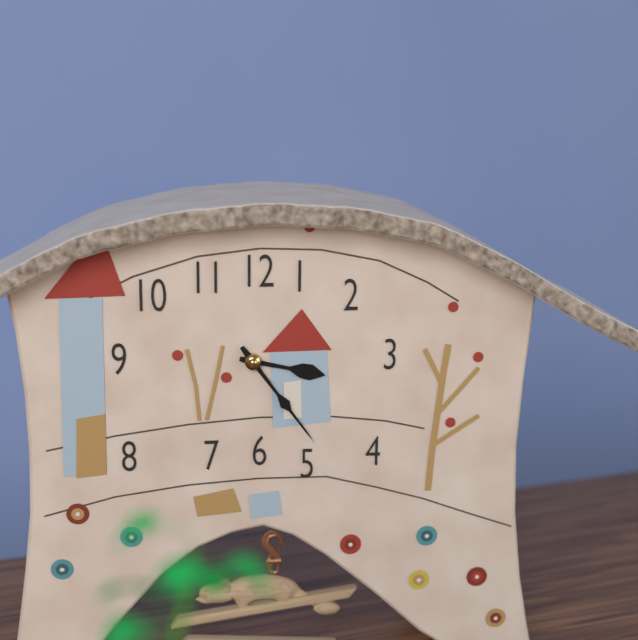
{"hour": 3, "minute": 24}
